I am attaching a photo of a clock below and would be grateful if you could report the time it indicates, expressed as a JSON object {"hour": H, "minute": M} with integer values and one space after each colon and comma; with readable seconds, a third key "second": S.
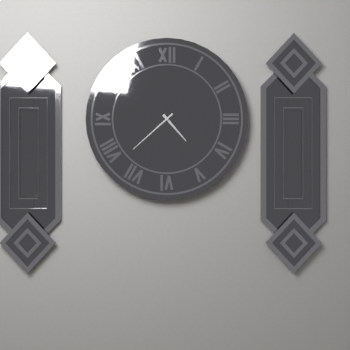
{"hour": 4, "minute": 38}
